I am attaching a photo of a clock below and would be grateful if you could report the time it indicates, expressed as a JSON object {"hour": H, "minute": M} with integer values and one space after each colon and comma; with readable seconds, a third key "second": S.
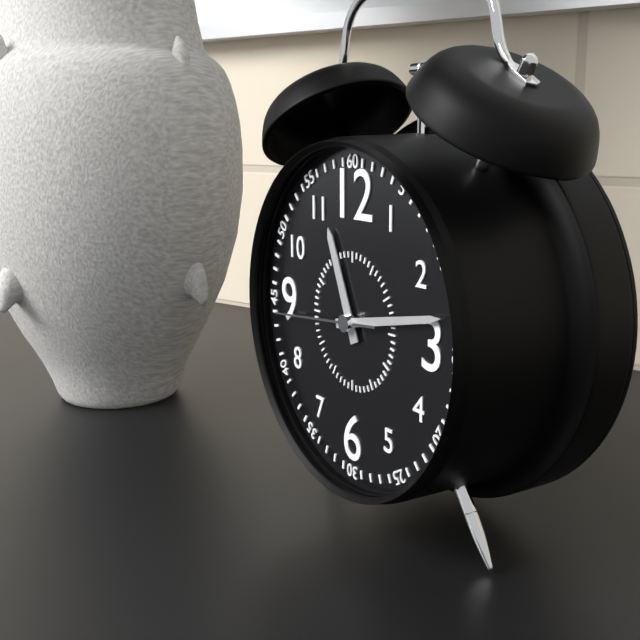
{"hour": 11, "minute": 13, "second": 44}
